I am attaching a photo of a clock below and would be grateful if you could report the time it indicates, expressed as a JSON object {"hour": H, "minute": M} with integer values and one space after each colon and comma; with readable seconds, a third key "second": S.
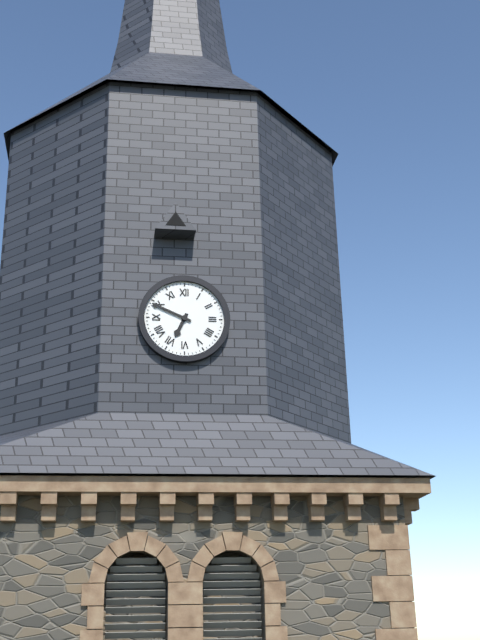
{"hour": 6, "minute": 49}
